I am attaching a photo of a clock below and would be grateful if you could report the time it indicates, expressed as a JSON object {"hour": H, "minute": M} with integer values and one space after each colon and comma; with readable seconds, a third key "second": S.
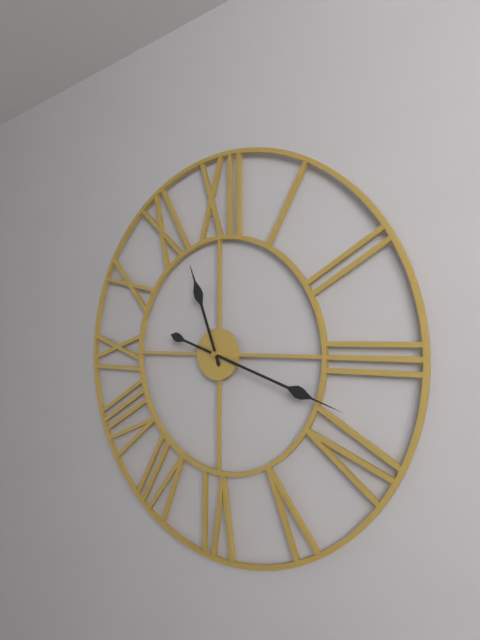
{"hour": 11, "minute": 18}
